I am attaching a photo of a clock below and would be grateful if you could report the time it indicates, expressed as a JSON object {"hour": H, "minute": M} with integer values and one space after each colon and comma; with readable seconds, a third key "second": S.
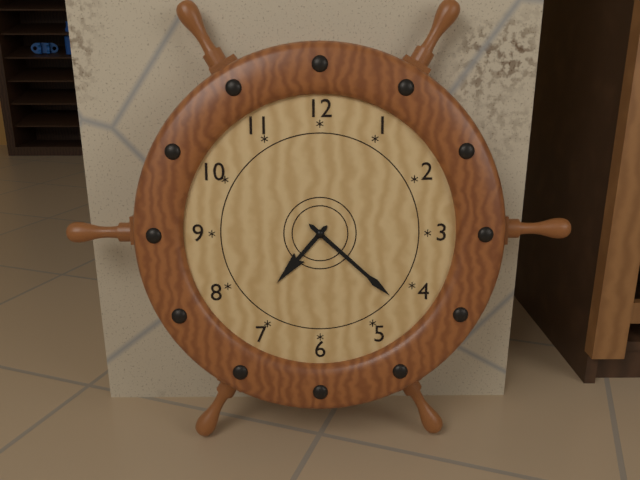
{"hour": 7, "minute": 22}
